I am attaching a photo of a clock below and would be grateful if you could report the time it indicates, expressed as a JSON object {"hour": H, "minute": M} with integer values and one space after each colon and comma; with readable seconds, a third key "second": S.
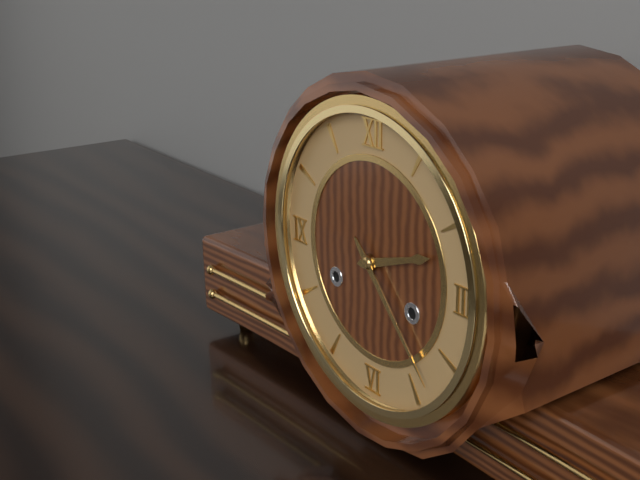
{"hour": 2, "minute": 23}
